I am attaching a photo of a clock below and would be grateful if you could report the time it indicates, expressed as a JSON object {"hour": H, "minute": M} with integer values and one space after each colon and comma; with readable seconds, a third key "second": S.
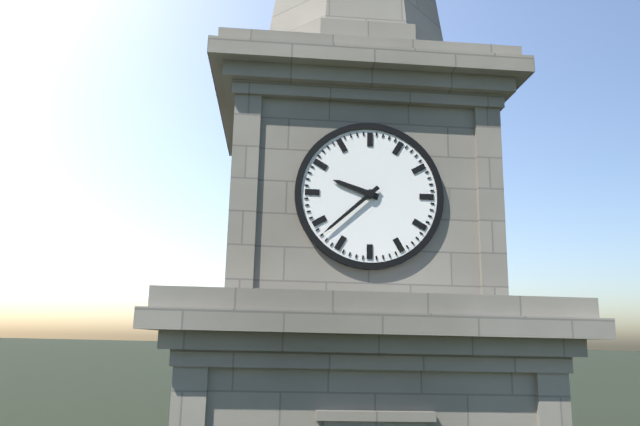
{"hour": 9, "minute": 38}
